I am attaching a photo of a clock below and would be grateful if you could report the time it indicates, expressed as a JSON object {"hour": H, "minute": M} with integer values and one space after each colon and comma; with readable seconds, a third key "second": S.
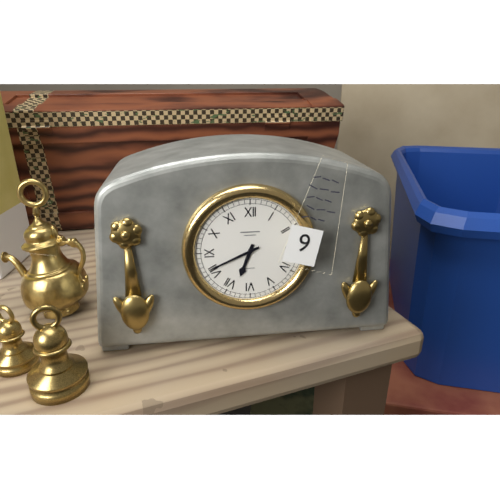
{"hour": 6, "minute": 41}
